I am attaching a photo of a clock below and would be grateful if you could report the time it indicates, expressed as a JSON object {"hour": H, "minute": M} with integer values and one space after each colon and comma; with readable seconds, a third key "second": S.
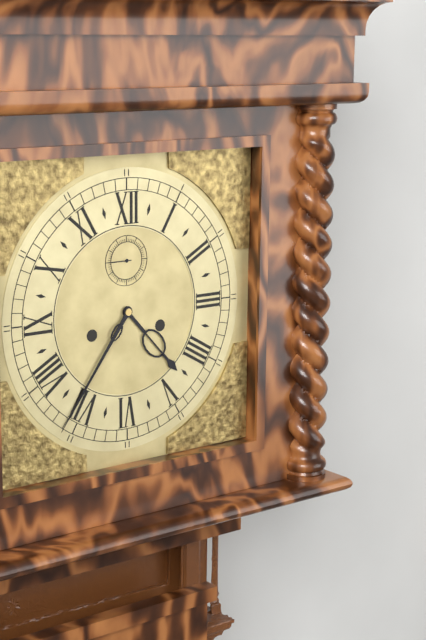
{"hour": 4, "minute": 36}
